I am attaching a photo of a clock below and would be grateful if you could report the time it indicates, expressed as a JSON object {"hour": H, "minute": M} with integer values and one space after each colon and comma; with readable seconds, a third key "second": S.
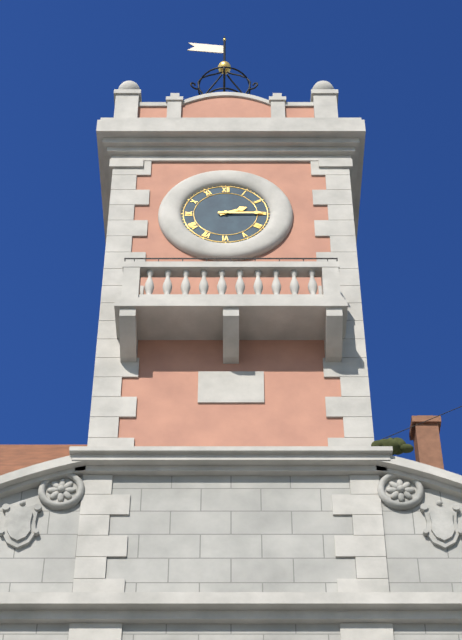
{"hour": 2, "minute": 15}
